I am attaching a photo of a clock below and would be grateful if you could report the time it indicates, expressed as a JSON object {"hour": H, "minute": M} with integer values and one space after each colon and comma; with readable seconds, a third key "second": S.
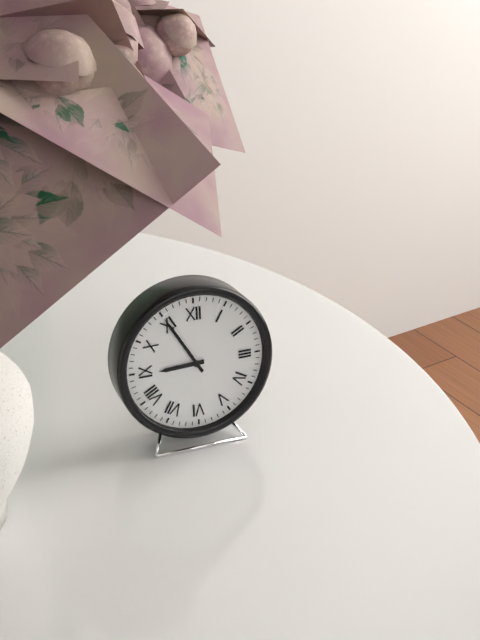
{"hour": 8, "minute": 55}
